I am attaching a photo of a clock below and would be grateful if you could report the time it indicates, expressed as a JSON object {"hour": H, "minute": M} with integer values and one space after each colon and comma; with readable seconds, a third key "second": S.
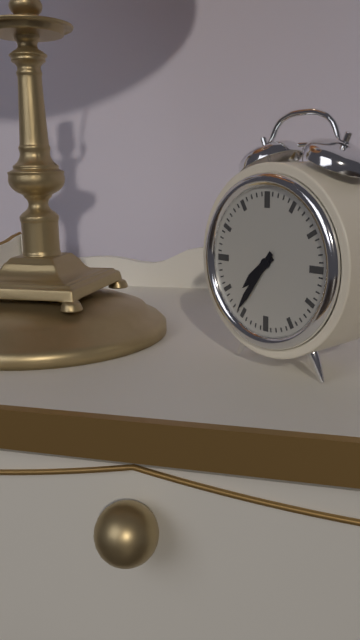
{"hour": 7, "minute": 36}
